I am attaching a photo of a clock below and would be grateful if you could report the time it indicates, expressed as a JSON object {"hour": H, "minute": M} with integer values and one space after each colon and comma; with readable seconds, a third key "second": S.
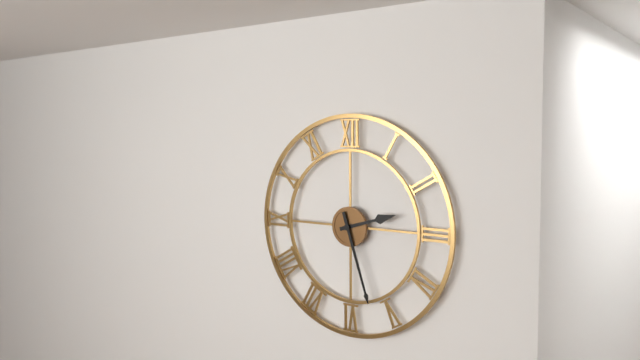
{"hour": 2, "minute": 27}
